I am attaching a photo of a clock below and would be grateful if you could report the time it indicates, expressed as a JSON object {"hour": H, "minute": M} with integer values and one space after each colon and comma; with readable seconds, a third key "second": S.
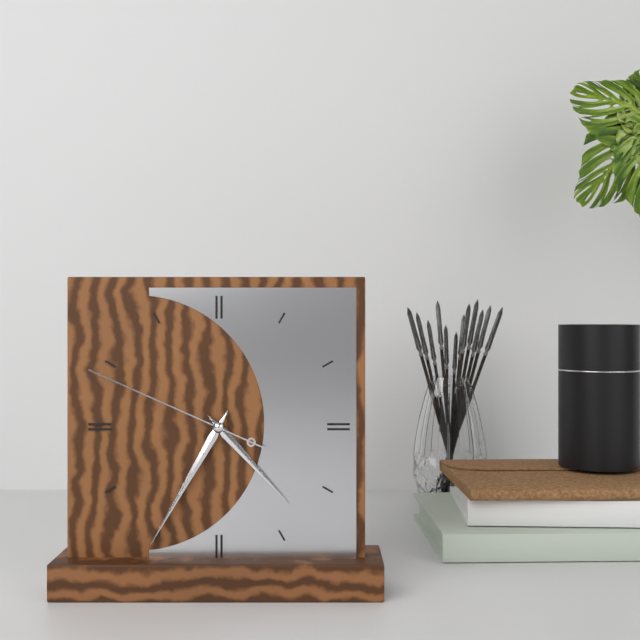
{"hour": 4, "minute": 35, "second": 49}
